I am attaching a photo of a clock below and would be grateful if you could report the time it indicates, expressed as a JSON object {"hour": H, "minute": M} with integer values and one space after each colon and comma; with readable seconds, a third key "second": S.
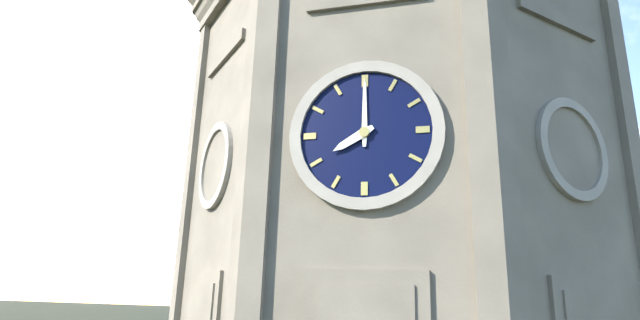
{"hour": 8, "minute": 0}
